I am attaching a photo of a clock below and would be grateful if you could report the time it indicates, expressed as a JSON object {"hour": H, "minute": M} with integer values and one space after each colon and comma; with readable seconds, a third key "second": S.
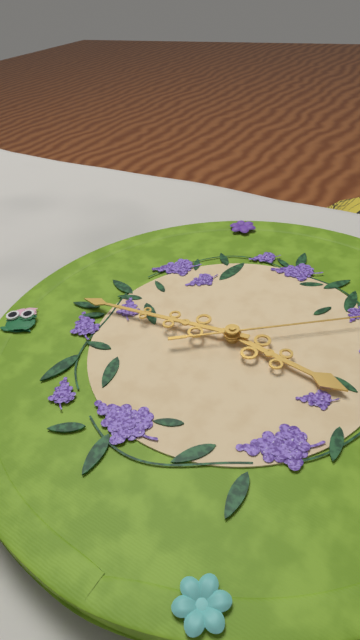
{"hour": 3, "minute": 46}
